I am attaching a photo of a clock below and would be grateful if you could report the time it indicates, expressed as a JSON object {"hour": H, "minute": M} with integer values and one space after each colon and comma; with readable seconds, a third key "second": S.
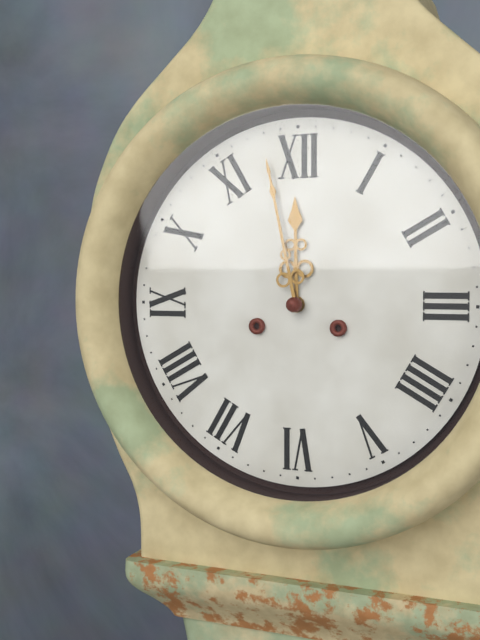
{"hour": 11, "minute": 58}
